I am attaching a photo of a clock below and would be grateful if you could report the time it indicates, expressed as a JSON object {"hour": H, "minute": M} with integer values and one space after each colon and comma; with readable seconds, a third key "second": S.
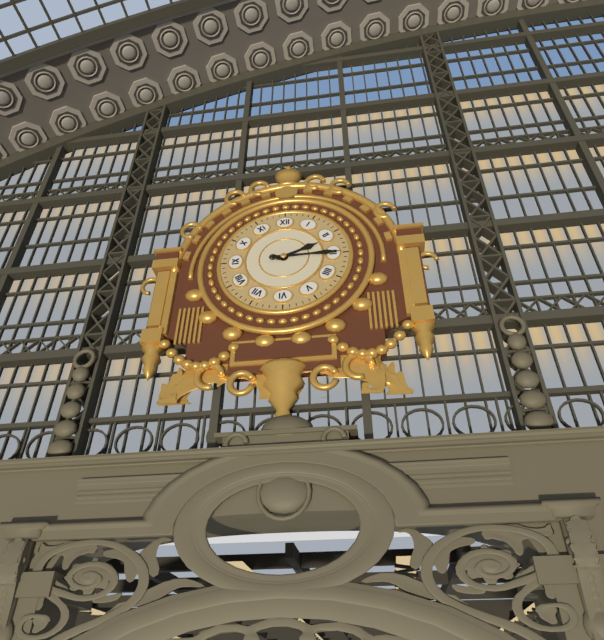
{"hour": 2, "minute": 15}
